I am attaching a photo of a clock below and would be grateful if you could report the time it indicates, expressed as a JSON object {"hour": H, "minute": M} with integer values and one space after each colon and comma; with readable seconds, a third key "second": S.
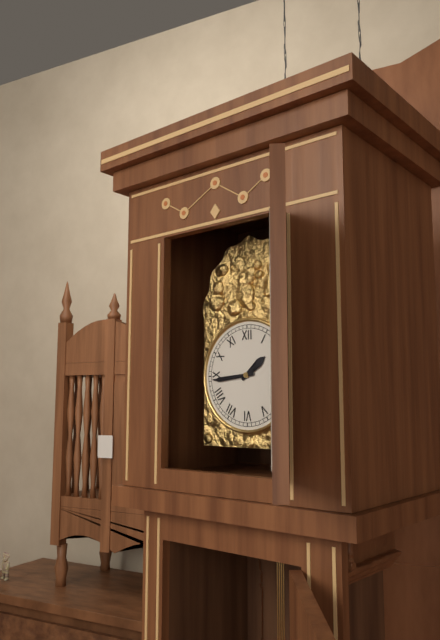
{"hour": 1, "minute": 44}
